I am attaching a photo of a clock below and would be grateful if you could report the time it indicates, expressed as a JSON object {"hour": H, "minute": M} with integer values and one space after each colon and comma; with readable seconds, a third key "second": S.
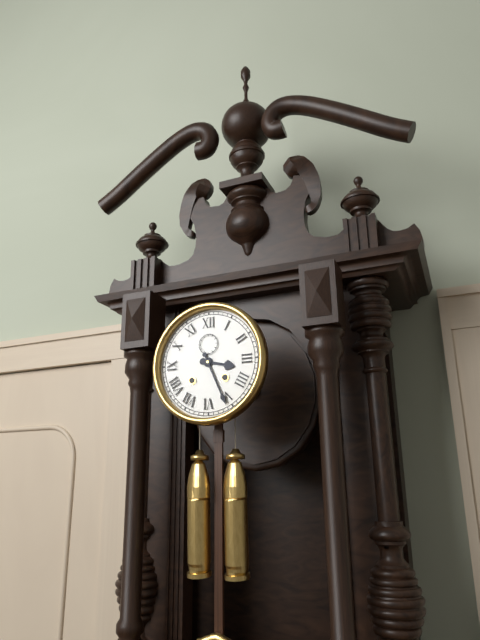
{"hour": 3, "minute": 26}
